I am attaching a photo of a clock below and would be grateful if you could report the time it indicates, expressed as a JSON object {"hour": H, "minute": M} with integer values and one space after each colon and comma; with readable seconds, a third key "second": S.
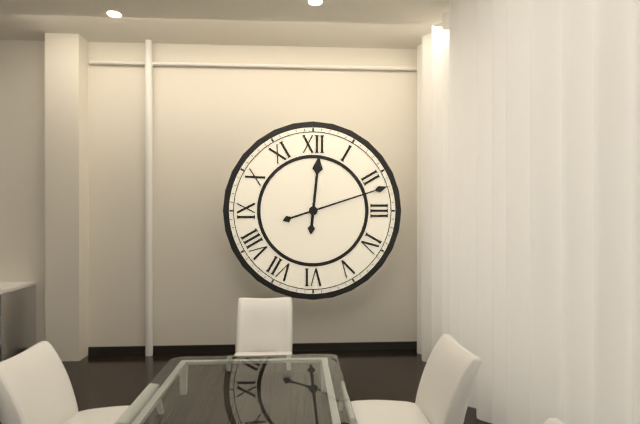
{"hour": 12, "minute": 12}
